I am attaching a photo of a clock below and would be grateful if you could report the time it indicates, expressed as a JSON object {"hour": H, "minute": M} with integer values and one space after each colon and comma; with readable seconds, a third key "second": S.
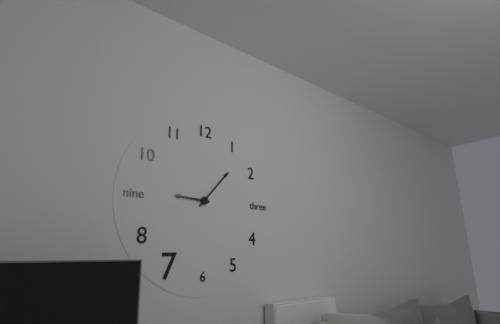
{"hour": 9, "minute": 7}
